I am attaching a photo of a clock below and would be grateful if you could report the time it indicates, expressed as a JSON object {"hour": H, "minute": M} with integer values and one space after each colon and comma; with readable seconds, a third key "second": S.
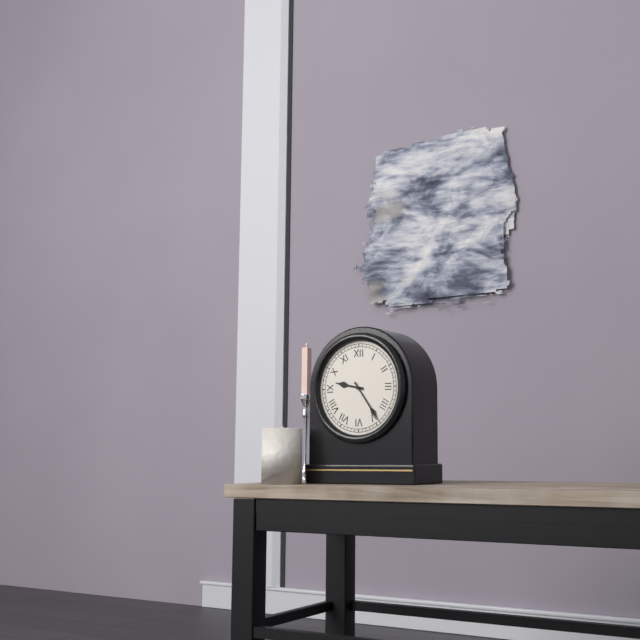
{"hour": 9, "minute": 24}
